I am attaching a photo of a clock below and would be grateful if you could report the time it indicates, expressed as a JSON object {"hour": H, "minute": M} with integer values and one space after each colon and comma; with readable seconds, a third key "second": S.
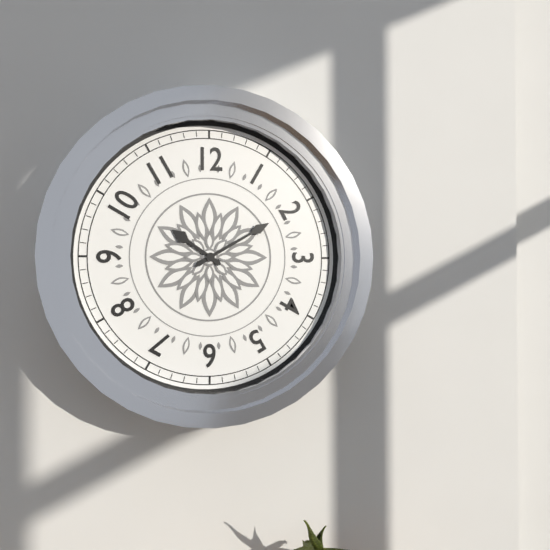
{"hour": 10, "minute": 10}
